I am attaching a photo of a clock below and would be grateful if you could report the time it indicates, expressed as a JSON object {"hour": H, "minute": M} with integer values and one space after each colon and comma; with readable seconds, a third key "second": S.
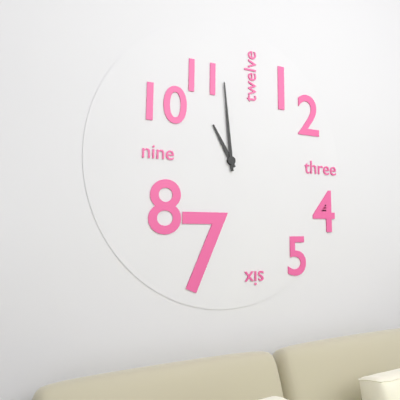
{"hour": 10, "minute": 59}
